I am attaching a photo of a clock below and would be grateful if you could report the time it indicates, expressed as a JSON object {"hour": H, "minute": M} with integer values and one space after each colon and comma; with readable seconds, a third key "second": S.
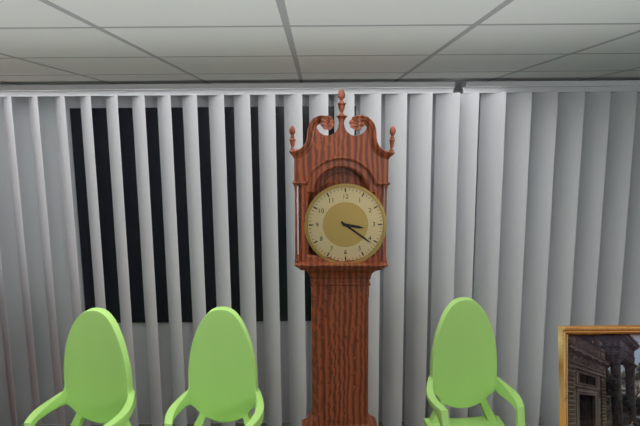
{"hour": 3, "minute": 21}
